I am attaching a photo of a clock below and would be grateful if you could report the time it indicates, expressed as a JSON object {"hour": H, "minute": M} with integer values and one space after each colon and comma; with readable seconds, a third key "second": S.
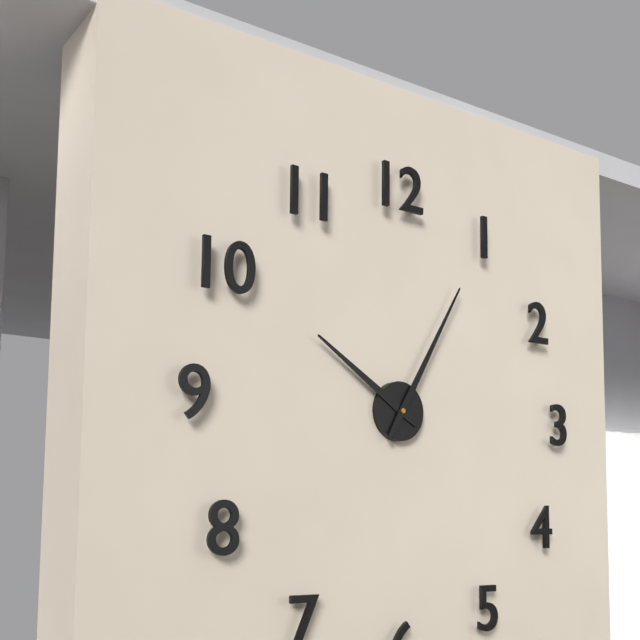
{"hour": 10, "minute": 5}
